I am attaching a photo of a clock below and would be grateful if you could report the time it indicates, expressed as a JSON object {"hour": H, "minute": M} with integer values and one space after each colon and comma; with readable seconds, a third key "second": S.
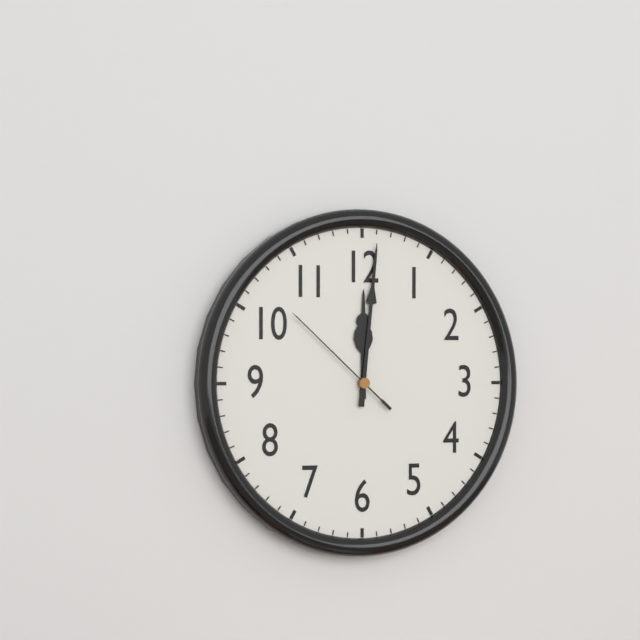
{"hour": 12, "minute": 1, "second": 52}
